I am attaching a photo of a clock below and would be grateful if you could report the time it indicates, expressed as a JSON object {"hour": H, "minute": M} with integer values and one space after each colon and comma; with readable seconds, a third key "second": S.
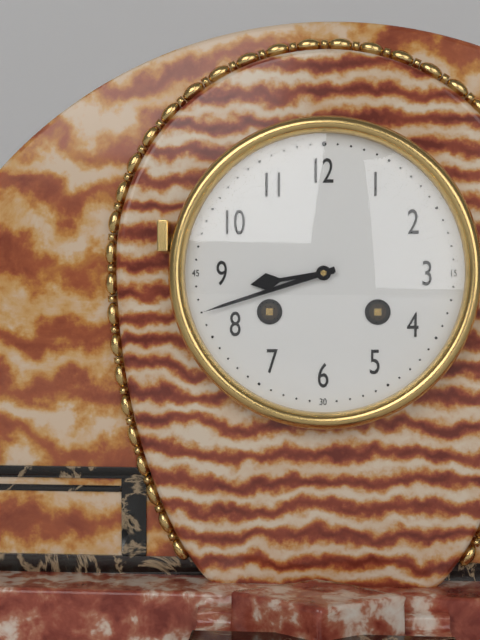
{"hour": 8, "minute": 42}
